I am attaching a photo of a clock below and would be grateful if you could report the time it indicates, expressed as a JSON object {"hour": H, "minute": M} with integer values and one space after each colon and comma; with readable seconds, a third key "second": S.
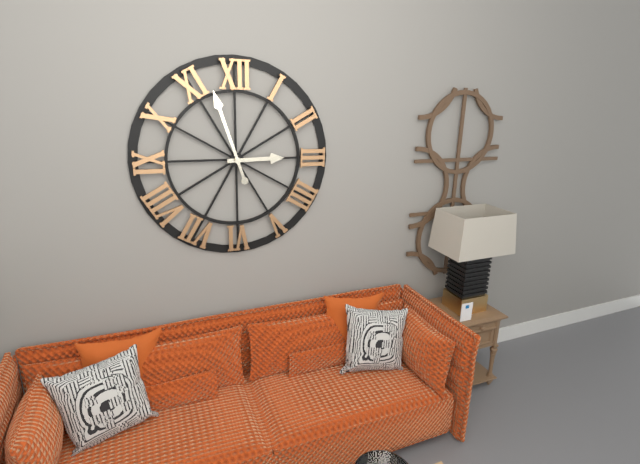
{"hour": 2, "minute": 57}
